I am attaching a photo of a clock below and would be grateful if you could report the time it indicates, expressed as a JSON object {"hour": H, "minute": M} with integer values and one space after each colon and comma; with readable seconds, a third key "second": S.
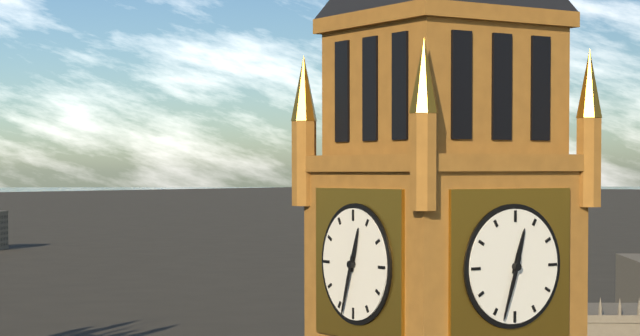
{"hour": 12, "minute": 33}
